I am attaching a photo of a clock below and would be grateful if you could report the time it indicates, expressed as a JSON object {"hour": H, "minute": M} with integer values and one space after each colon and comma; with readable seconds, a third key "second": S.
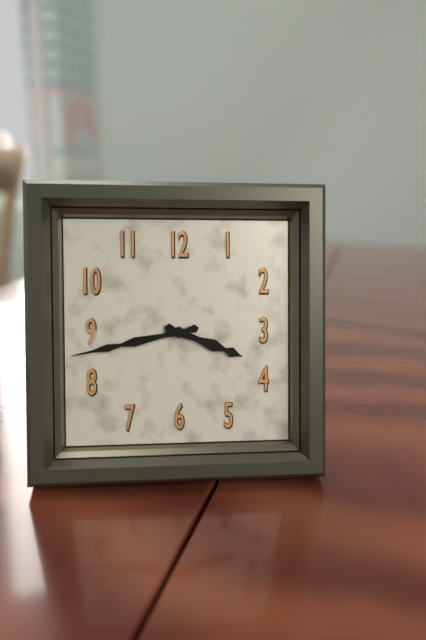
{"hour": 3, "minute": 43}
